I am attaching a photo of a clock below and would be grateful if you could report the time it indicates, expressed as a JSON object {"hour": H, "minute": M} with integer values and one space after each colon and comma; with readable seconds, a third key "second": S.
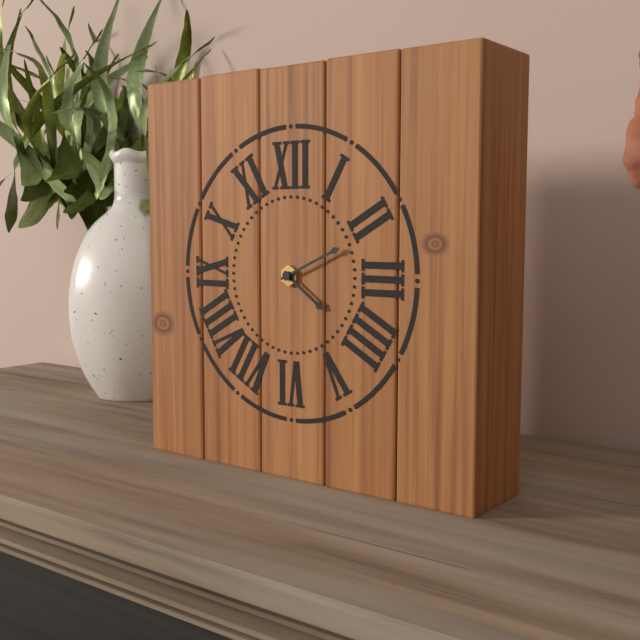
{"hour": 4, "minute": 11}
